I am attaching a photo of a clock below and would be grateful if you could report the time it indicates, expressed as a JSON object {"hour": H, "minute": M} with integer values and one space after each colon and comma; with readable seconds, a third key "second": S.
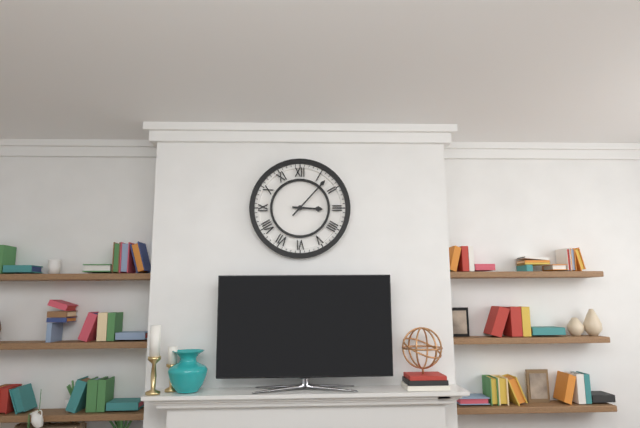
{"hour": 3, "minute": 7}
